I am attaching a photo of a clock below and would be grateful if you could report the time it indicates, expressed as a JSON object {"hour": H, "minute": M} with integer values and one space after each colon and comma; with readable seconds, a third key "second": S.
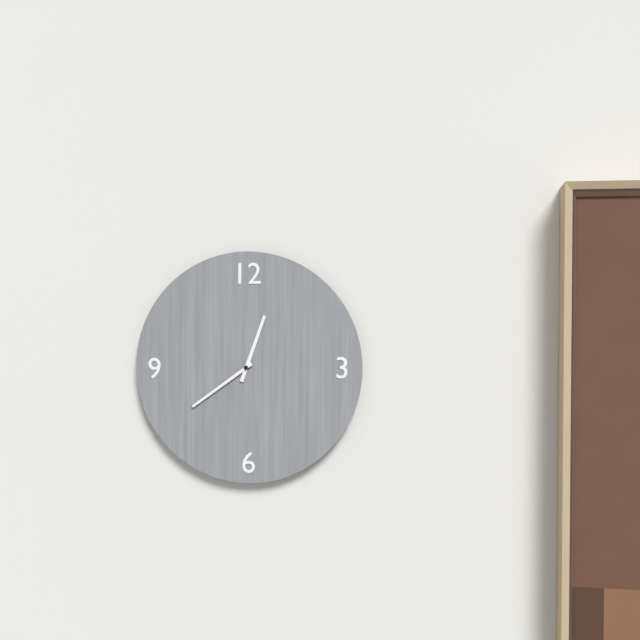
{"hour": 12, "minute": 39}
